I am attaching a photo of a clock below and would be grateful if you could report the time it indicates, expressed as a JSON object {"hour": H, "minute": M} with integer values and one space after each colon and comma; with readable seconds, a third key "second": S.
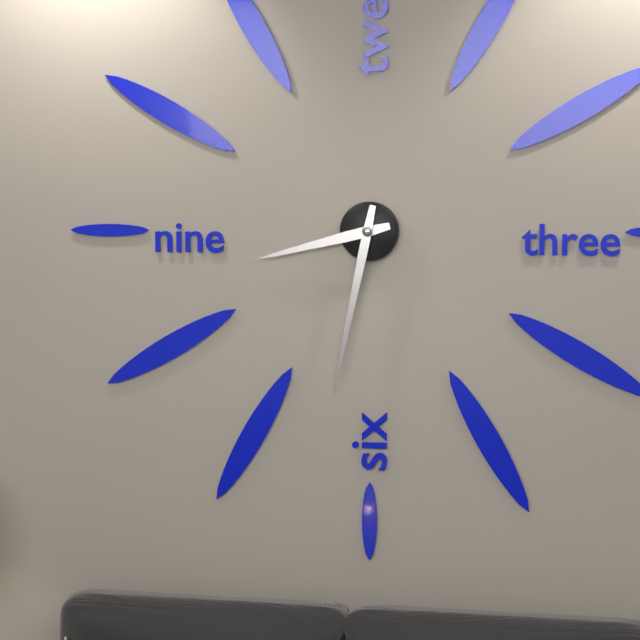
{"hour": 8, "minute": 32}
